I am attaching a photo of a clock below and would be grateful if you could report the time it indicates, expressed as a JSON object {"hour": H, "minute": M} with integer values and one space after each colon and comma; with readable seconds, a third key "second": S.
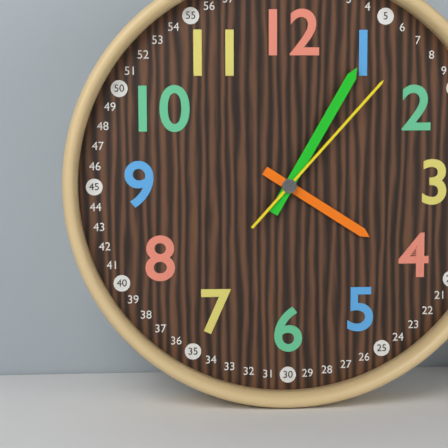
{"hour": 4, "minute": 5, "second": 7}
